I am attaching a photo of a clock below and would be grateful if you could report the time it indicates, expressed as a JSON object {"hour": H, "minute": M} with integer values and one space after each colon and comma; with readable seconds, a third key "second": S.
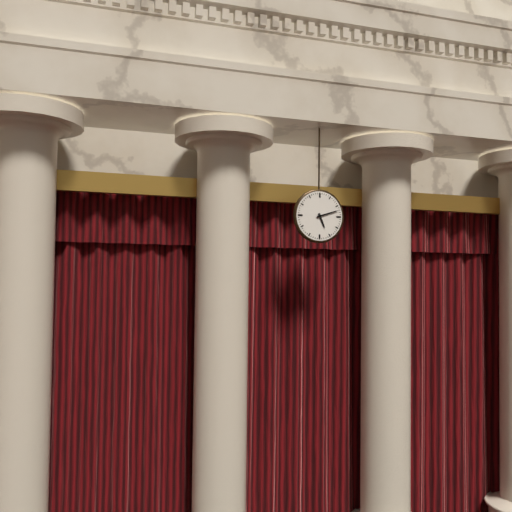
{"hour": 5, "minute": 12}
